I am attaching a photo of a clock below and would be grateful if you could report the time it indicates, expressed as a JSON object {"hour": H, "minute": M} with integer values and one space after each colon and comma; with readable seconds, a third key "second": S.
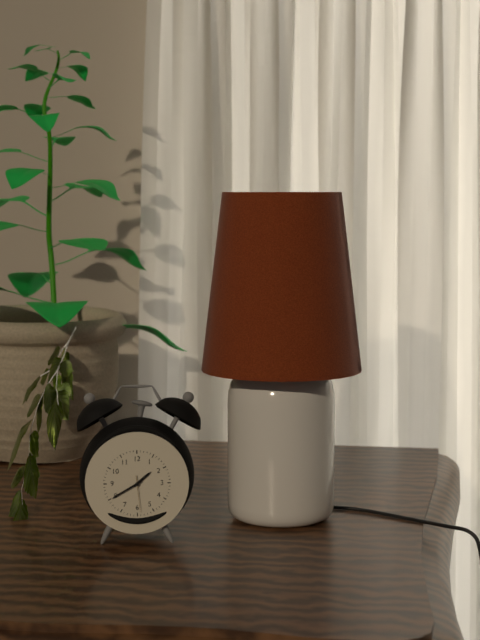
{"hour": 1, "minute": 40}
